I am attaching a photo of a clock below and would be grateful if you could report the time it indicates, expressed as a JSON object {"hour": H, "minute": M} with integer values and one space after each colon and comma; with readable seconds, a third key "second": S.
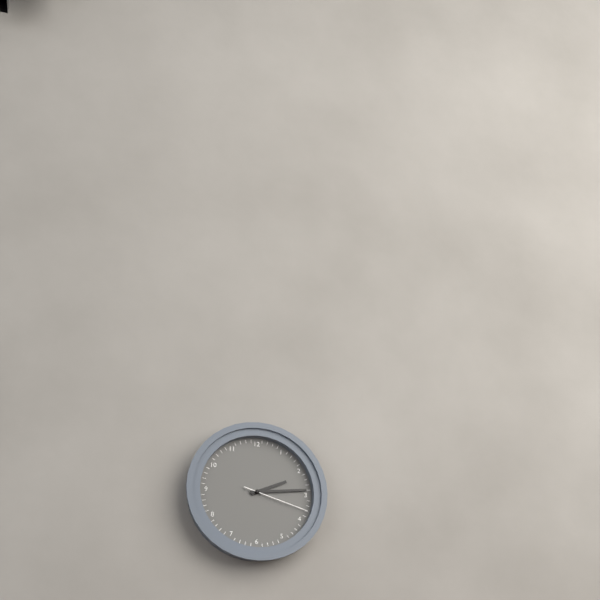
{"hour": 2, "minute": 14, "second": 18}
